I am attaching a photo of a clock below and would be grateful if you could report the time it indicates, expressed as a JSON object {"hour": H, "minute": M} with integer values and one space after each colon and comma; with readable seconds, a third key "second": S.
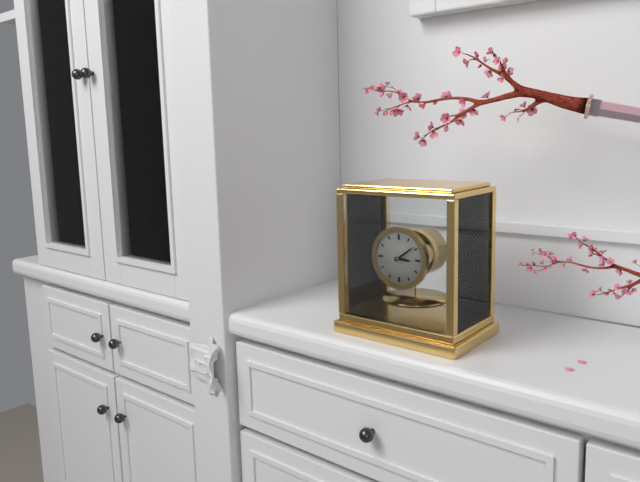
{"hour": 3, "minute": 9}
